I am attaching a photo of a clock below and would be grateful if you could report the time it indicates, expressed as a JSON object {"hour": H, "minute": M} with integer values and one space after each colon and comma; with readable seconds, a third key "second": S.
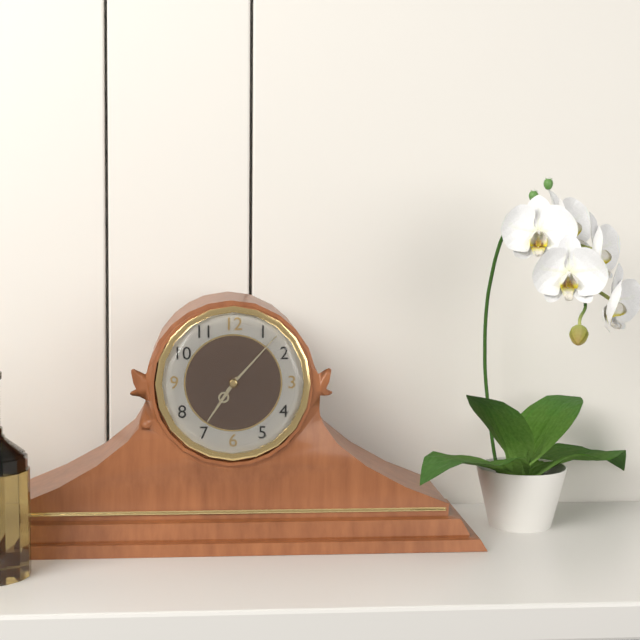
{"hour": 7, "minute": 7}
